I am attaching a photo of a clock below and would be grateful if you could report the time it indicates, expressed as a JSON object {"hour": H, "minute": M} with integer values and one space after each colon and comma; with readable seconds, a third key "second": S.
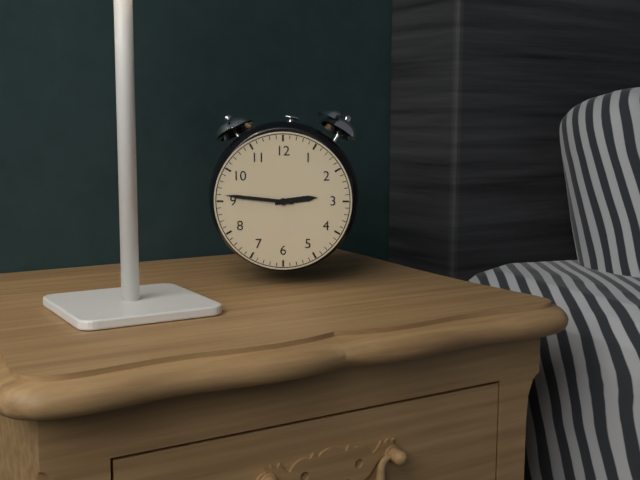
{"hour": 2, "minute": 46}
